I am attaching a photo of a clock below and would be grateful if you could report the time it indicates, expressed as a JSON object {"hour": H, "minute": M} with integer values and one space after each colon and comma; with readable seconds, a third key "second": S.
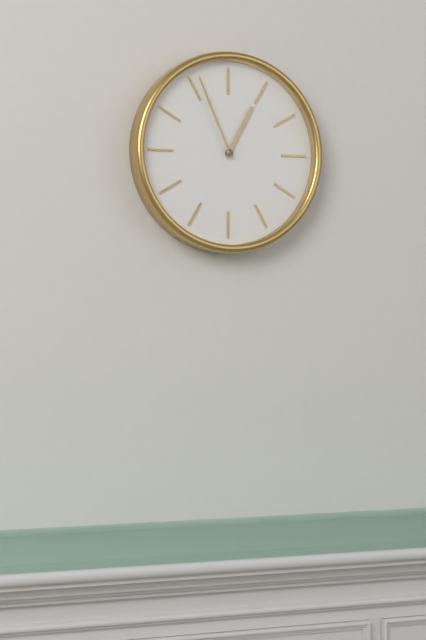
{"hour": 12, "minute": 56}
